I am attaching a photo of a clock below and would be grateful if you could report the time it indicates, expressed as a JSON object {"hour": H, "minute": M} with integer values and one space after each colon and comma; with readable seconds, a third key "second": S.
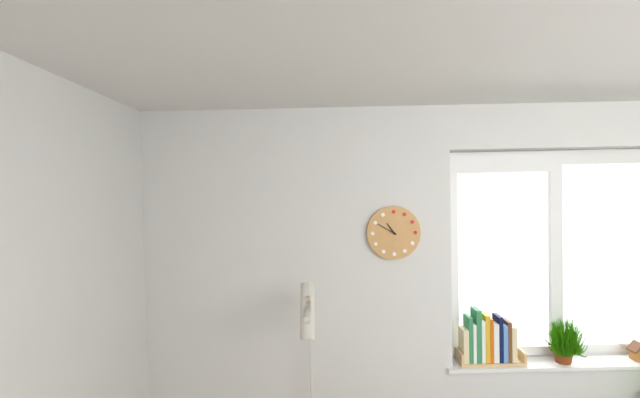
{"hour": 10, "minute": 50}
